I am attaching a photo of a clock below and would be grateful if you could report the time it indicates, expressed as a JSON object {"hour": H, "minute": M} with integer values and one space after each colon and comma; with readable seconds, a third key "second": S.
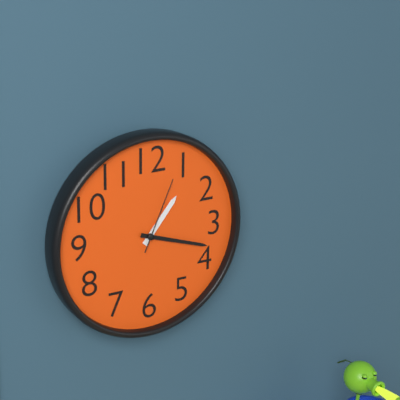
{"hour": 1, "minute": 18, "second": 4}
